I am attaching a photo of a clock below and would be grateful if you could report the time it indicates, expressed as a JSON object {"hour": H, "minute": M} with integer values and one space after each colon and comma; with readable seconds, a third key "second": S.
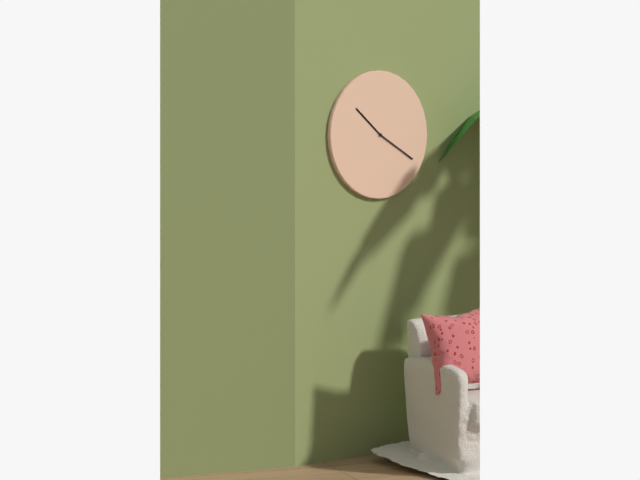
{"hour": 10, "minute": 20}
